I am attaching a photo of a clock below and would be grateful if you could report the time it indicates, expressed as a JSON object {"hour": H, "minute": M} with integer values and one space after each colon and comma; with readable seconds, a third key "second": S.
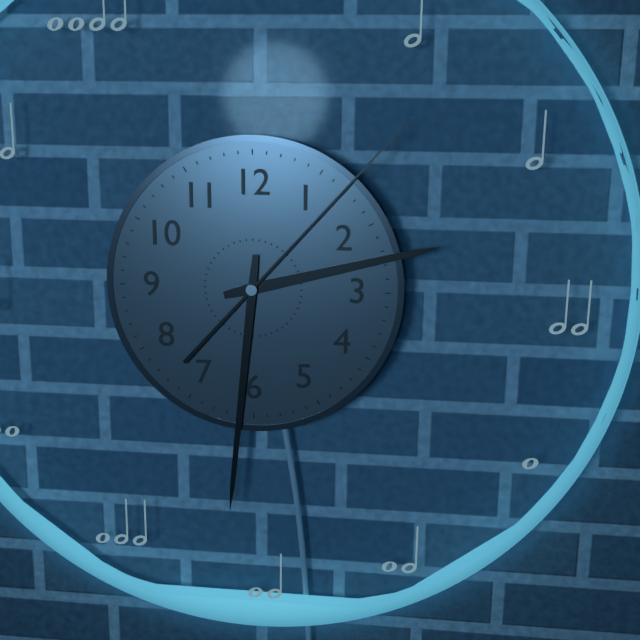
{"hour": 2, "minute": 31, "second": 7}
